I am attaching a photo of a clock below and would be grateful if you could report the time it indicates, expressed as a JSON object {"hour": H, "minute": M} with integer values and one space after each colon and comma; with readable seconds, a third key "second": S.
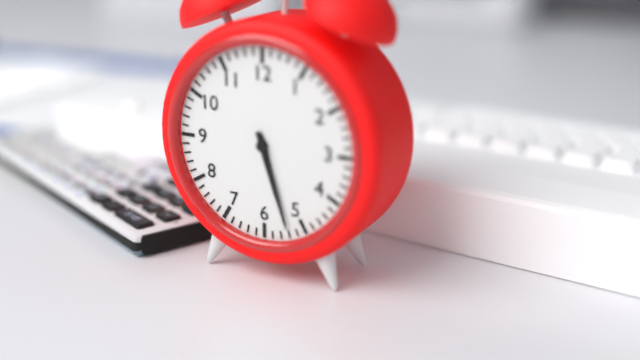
{"hour": 5, "minute": 27}
